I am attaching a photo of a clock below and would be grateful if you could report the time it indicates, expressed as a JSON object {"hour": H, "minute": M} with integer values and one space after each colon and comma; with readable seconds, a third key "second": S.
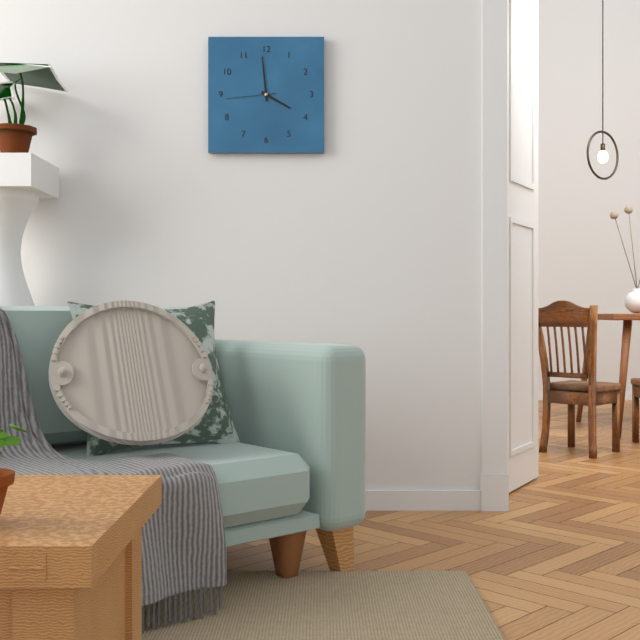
{"hour": 3, "minute": 59, "second": 44}
